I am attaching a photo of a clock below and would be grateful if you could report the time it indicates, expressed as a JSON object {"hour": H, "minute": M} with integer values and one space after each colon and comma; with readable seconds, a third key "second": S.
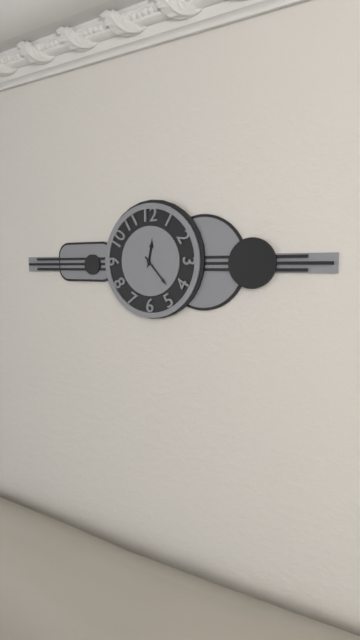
{"hour": 12, "minute": 23}
